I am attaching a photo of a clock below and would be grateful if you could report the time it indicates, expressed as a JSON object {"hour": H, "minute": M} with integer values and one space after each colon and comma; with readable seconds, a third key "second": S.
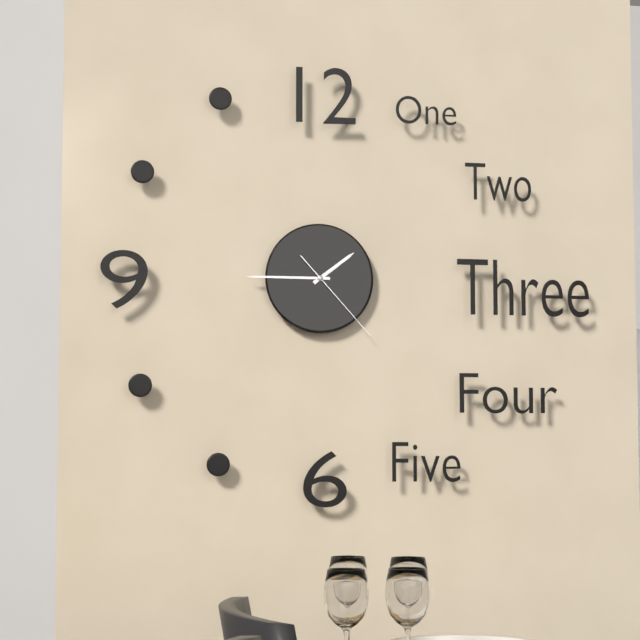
{"hour": 1, "minute": 45, "second": 23}
